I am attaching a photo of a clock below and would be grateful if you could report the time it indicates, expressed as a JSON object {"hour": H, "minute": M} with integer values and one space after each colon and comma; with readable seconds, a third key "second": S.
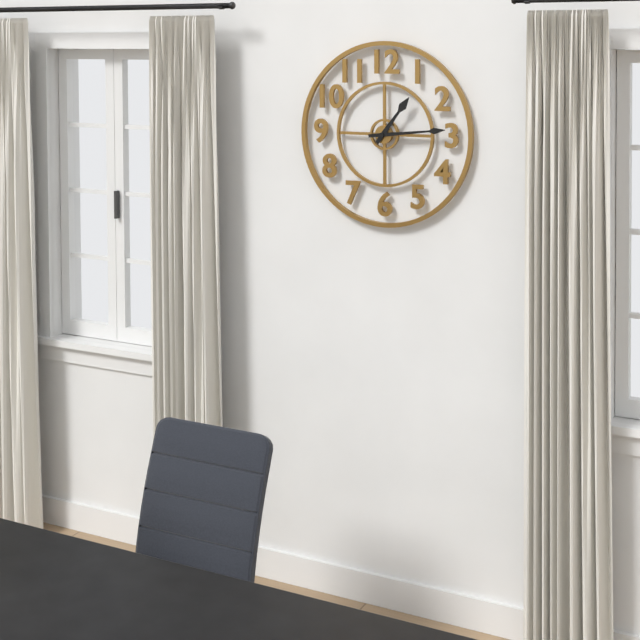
{"hour": 1, "minute": 14}
